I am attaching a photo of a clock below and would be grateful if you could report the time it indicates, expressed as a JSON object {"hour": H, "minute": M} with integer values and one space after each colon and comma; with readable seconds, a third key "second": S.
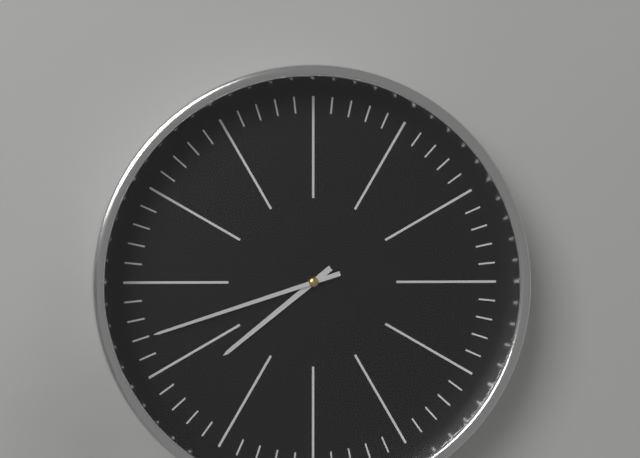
{"hour": 7, "minute": 42}
